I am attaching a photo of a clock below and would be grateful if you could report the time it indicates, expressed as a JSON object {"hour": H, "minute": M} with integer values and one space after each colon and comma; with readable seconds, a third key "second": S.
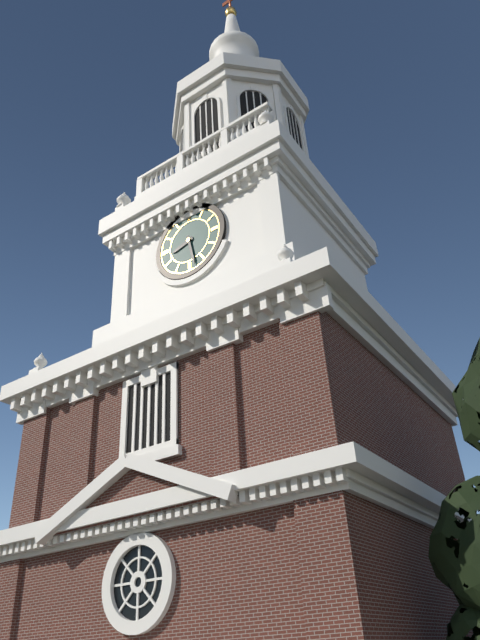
{"hour": 8, "minute": 28}
